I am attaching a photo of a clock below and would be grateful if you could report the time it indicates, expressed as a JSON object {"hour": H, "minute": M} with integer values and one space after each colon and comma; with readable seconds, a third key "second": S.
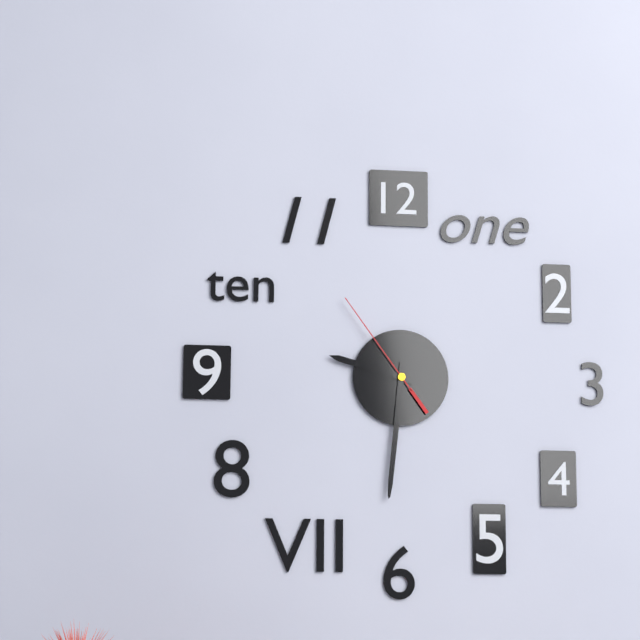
{"hour": 9, "minute": 31, "second": 54}
